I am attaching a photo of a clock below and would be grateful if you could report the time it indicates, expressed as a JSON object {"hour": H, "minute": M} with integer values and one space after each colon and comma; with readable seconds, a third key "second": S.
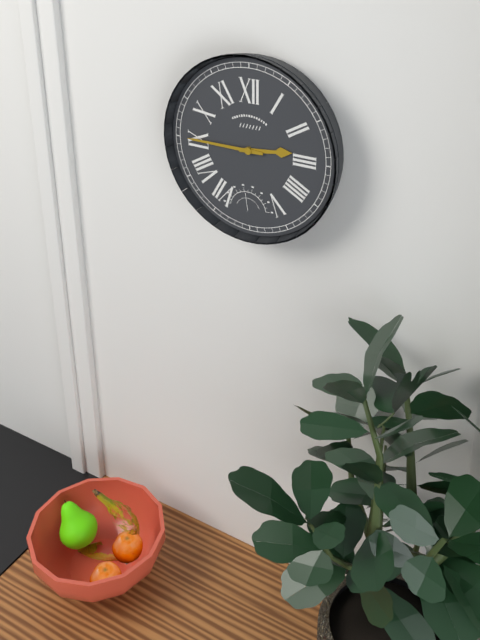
{"hour": 2, "minute": 45}
